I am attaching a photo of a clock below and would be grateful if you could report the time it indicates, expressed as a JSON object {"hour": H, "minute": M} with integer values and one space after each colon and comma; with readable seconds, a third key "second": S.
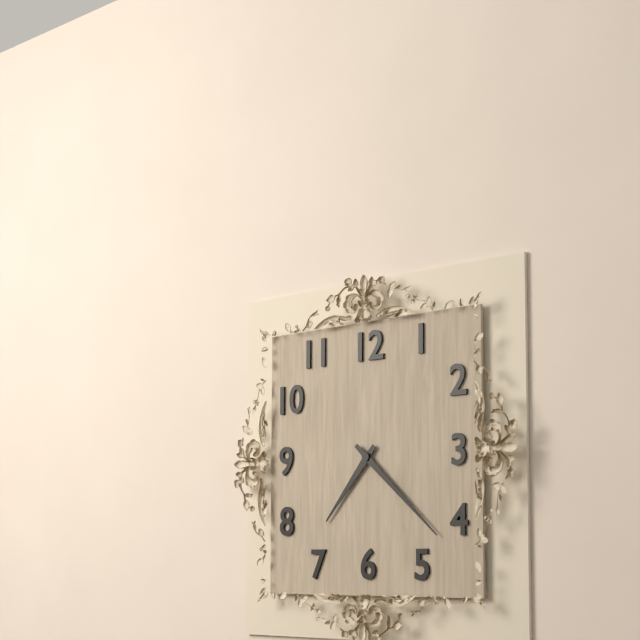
{"hour": 7, "minute": 22}
